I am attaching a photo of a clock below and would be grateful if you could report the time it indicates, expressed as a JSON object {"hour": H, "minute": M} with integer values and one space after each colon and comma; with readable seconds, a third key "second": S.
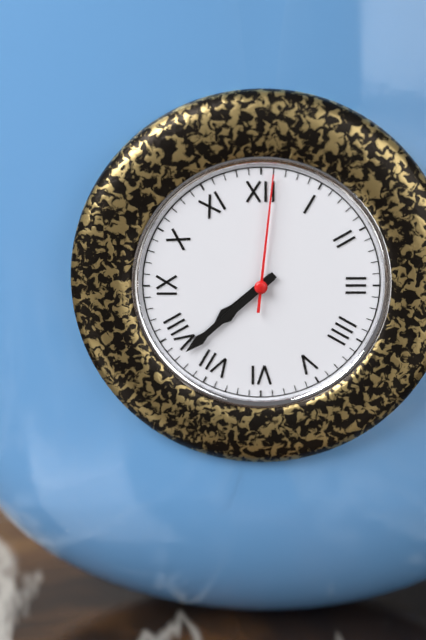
{"hour": 7, "minute": 38, "second": 1}
